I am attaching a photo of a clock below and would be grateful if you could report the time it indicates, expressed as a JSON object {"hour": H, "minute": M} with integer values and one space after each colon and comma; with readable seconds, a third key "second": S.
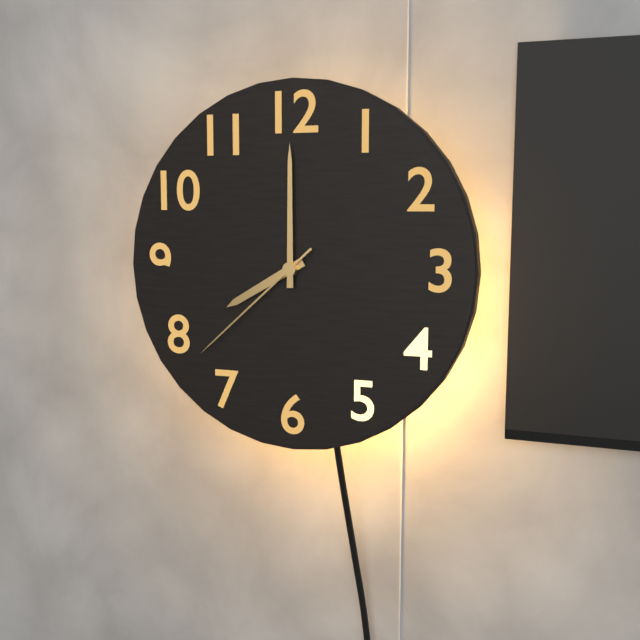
{"hour": 8, "minute": 0, "second": 38}
